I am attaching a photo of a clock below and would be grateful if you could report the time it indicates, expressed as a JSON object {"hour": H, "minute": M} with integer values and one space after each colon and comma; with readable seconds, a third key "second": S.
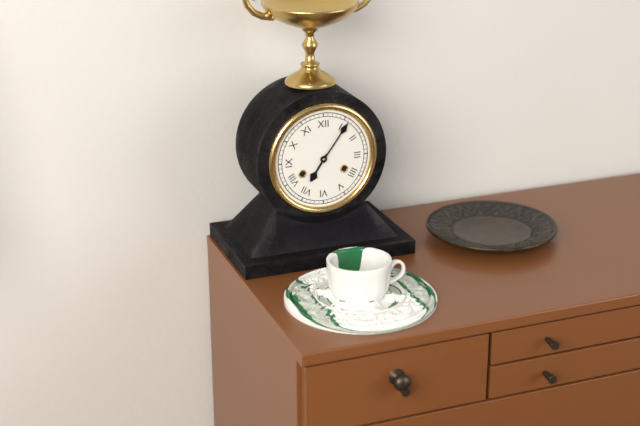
{"hour": 7, "minute": 6}
